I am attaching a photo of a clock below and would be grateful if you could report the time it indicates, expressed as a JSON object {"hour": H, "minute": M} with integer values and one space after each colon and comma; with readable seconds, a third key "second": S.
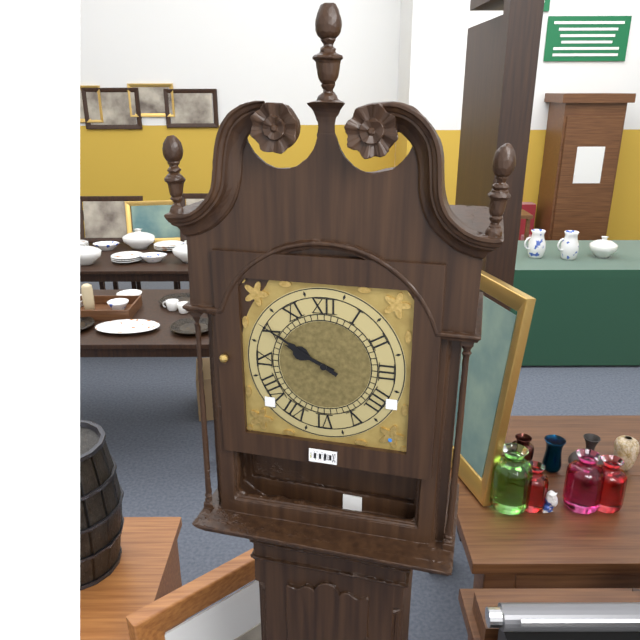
{"hour": 9, "minute": 50}
